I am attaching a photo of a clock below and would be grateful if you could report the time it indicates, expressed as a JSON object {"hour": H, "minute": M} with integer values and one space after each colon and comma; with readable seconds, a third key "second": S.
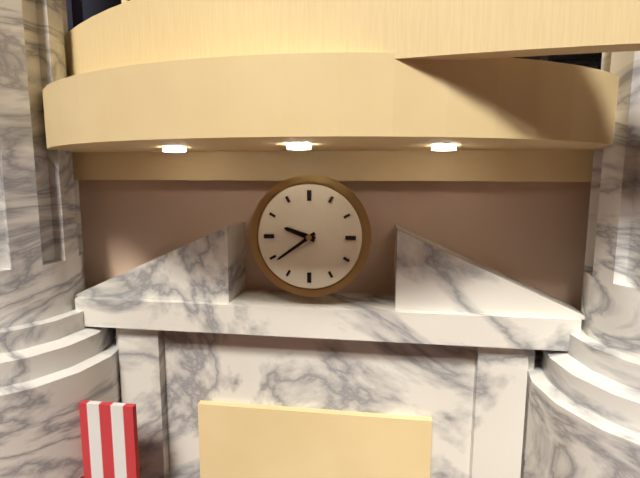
{"hour": 9, "minute": 39}
